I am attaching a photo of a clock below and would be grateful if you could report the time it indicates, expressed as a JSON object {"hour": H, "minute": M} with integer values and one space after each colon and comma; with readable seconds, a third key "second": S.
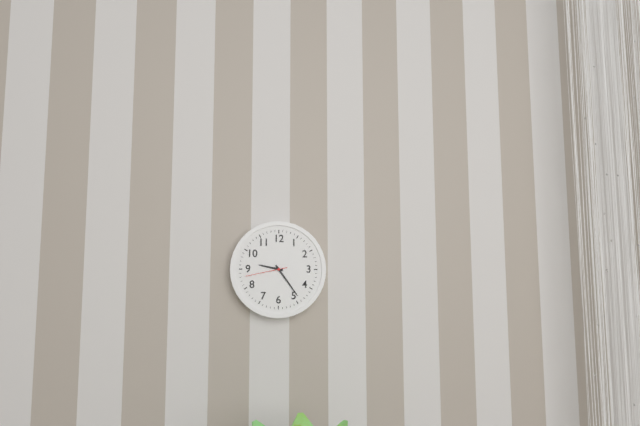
{"hour": 9, "minute": 24}
